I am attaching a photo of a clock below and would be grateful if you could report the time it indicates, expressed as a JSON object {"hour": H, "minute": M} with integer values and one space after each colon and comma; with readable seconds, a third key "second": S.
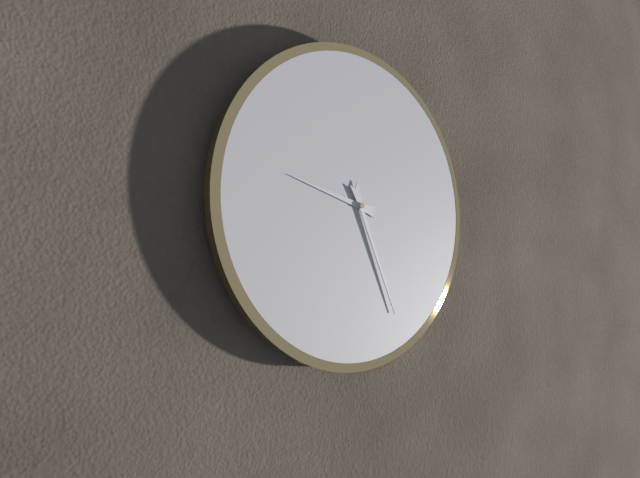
{"hour": 9, "minute": 26}
